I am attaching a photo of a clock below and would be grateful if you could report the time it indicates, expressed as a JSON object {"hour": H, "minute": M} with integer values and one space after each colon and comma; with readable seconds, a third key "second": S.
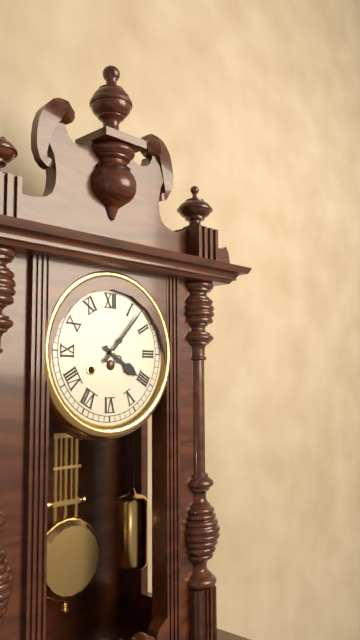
{"hour": 4, "minute": 7}
